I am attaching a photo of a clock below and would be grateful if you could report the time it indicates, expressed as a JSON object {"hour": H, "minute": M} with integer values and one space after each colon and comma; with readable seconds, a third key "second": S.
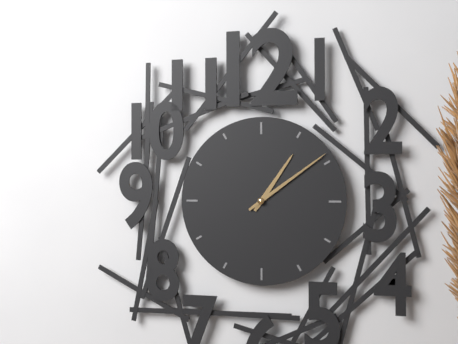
{"hour": 1, "minute": 9}
